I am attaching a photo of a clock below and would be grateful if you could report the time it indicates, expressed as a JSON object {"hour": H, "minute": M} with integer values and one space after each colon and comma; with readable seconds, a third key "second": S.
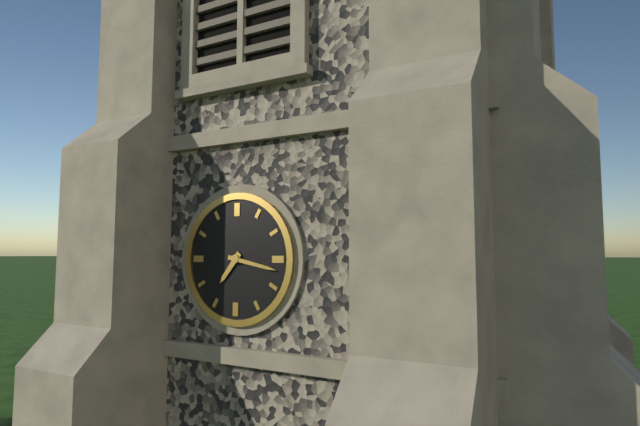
{"hour": 7, "minute": 17}
